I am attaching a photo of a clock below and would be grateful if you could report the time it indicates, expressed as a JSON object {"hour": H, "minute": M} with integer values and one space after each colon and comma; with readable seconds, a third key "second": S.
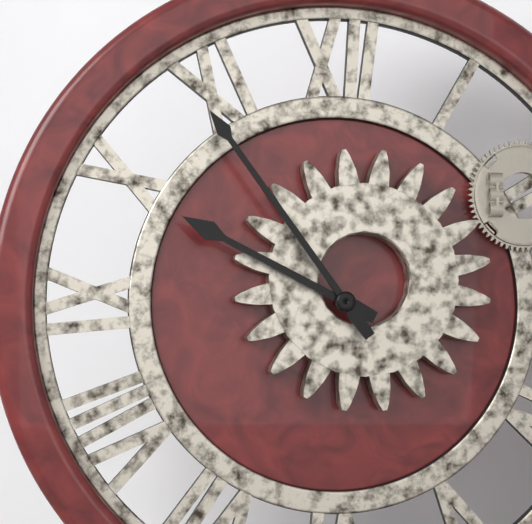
{"hour": 9, "minute": 54}
